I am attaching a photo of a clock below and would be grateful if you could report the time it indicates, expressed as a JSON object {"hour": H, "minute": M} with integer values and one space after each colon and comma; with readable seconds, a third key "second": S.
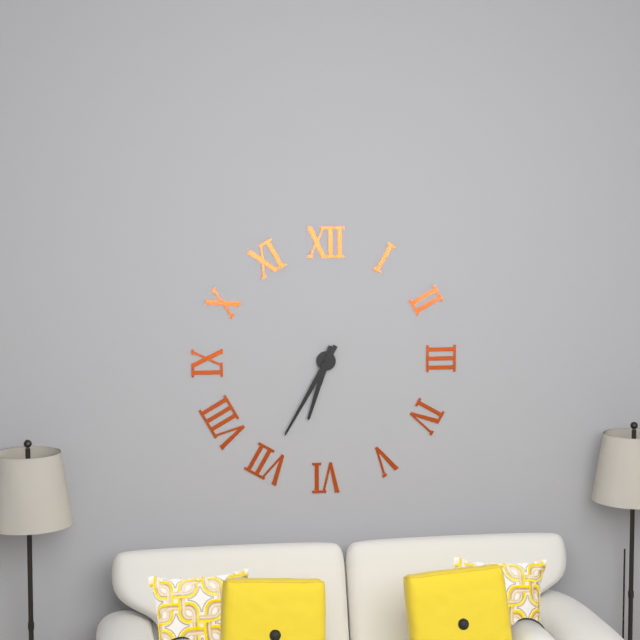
{"hour": 6, "minute": 35}
